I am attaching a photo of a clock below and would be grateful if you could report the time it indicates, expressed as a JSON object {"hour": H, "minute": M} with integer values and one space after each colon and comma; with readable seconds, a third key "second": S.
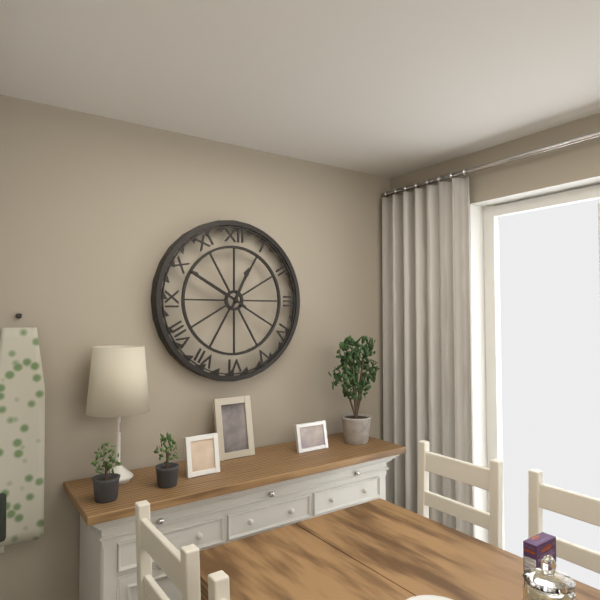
{"hour": 12, "minute": 50}
